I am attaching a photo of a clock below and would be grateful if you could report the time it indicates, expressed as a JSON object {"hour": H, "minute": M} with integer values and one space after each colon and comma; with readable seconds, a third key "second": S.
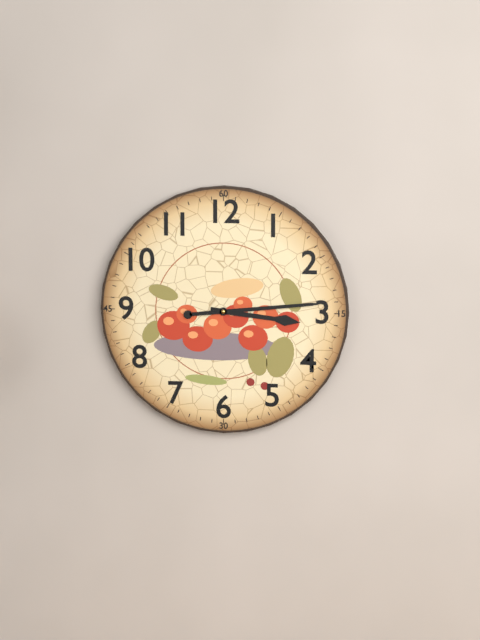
{"hour": 3, "minute": 14}
